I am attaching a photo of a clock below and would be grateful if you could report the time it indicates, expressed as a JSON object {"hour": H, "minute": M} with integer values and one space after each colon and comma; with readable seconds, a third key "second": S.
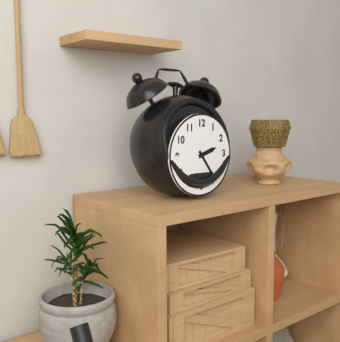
{"hour": 2, "minute": 24}
